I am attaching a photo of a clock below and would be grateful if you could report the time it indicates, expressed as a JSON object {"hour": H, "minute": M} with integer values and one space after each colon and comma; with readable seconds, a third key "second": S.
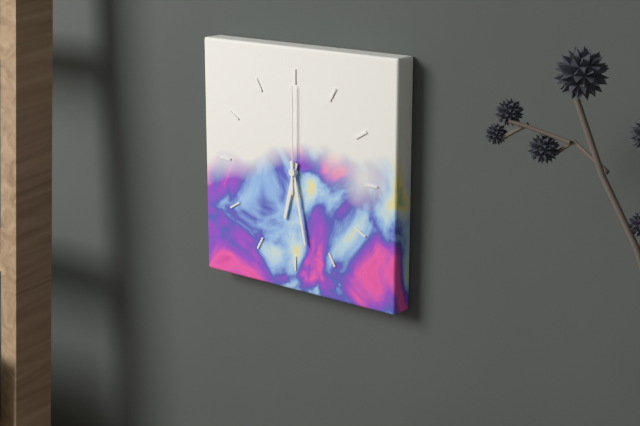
{"hour": 6, "minute": 28, "second": 0}
